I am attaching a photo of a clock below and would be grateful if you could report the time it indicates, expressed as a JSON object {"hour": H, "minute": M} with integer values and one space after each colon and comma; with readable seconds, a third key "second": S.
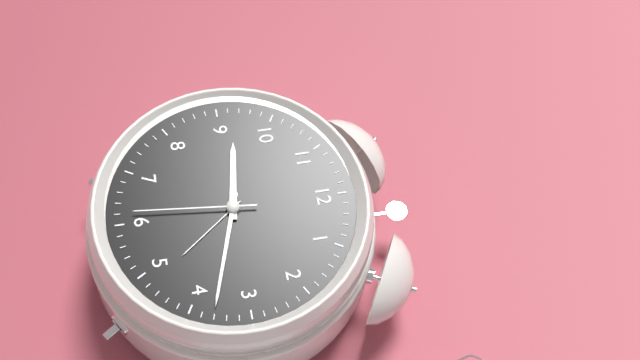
{"hour": 9, "minute": 18, "second": 31}
